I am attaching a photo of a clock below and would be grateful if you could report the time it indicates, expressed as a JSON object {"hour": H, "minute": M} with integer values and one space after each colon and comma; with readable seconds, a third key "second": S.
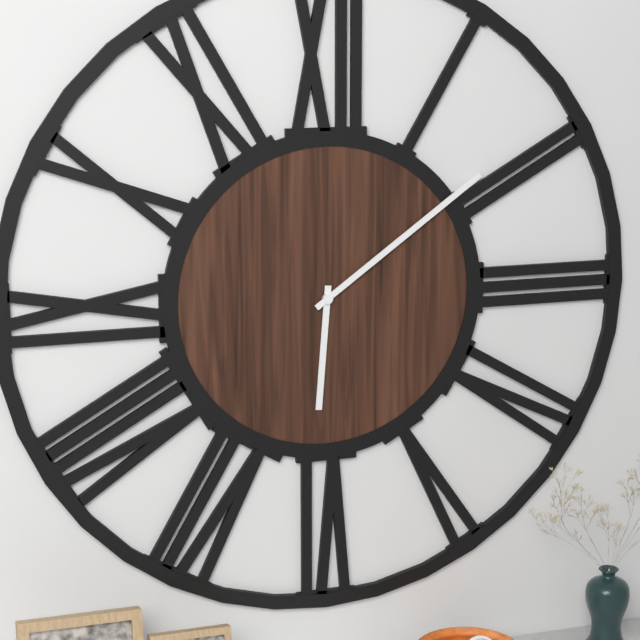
{"hour": 6, "minute": 9}
